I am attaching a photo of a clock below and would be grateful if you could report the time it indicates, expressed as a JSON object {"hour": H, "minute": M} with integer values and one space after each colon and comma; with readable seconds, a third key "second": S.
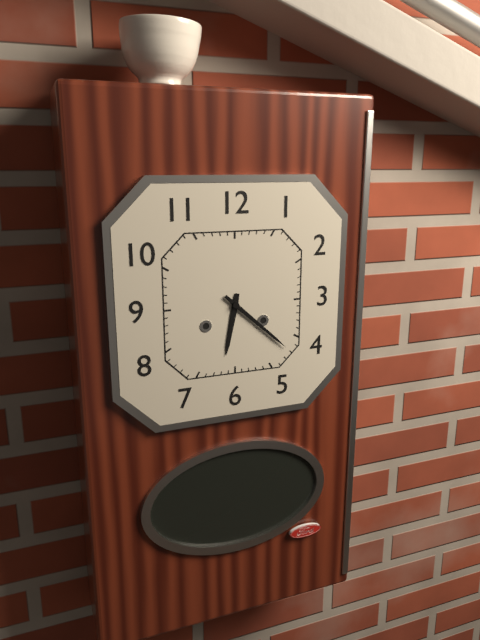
{"hour": 6, "minute": 22}
